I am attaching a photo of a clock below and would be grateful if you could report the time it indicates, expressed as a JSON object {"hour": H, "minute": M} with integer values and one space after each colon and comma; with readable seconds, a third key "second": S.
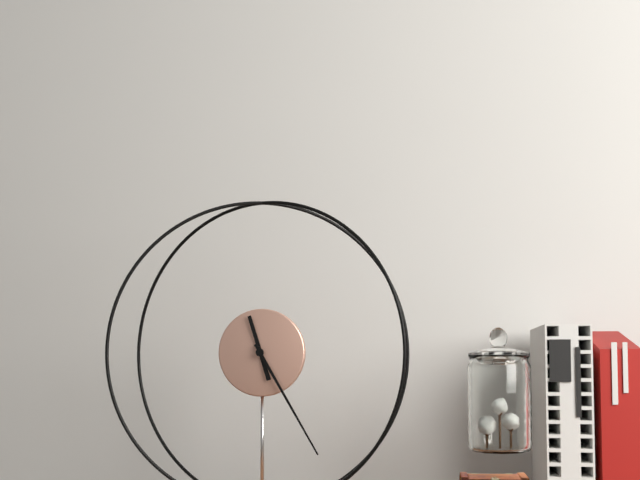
{"hour": 11, "minute": 25}
